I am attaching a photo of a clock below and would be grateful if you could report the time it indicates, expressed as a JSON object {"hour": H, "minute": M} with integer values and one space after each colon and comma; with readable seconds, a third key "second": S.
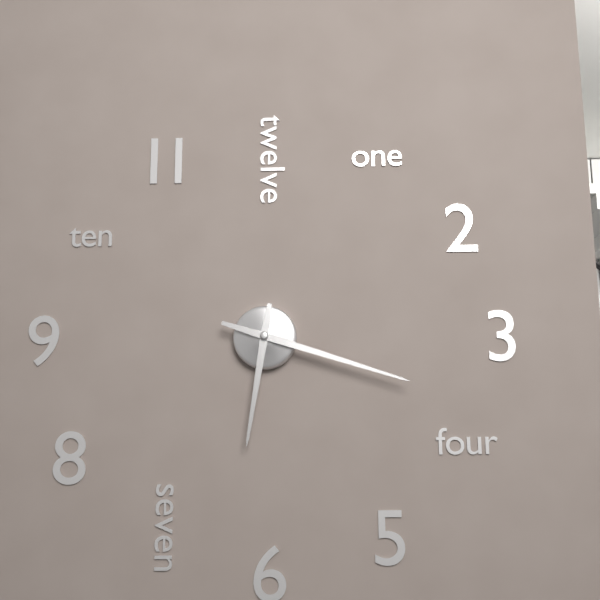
{"hour": 6, "minute": 18}
